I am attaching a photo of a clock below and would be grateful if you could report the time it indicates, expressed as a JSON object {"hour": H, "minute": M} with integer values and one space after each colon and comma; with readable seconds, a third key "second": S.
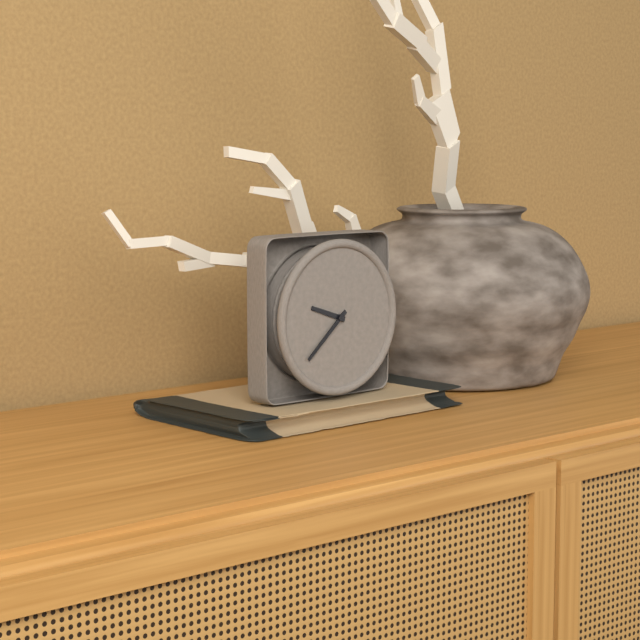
{"hour": 9, "minute": 38}
